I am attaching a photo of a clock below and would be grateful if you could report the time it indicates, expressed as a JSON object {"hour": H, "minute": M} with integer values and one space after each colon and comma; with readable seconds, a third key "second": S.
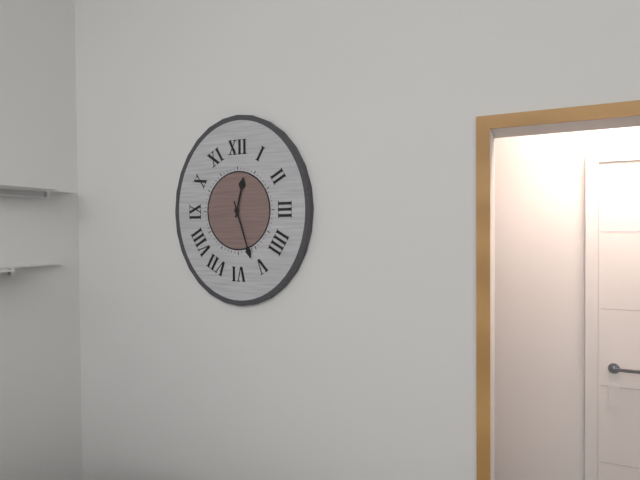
{"hour": 12, "minute": 27}
